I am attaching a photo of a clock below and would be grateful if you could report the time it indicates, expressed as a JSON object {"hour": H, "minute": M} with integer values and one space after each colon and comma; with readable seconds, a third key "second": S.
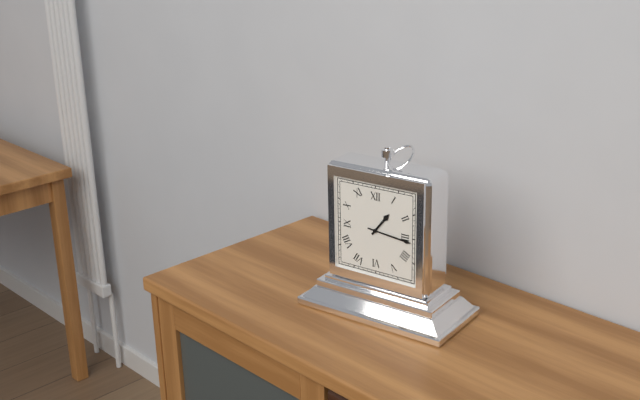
{"hour": 1, "minute": 16}
